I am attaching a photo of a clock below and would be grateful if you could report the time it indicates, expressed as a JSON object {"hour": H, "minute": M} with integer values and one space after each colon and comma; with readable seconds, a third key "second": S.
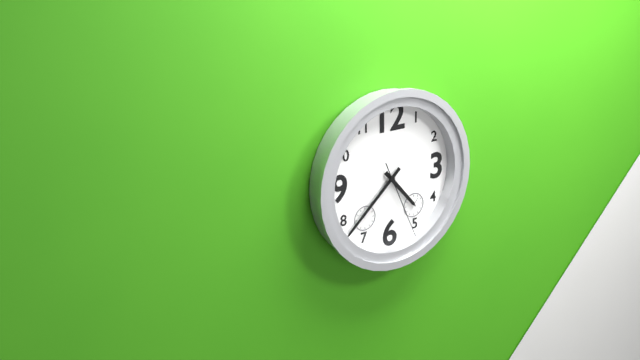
{"hour": 4, "minute": 38, "second": 26}
